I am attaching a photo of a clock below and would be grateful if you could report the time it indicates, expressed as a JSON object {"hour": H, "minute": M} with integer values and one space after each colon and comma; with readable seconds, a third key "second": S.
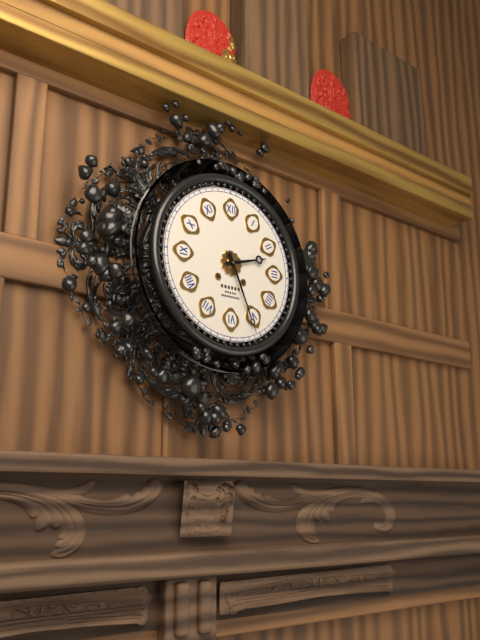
{"hour": 2, "minute": 26}
